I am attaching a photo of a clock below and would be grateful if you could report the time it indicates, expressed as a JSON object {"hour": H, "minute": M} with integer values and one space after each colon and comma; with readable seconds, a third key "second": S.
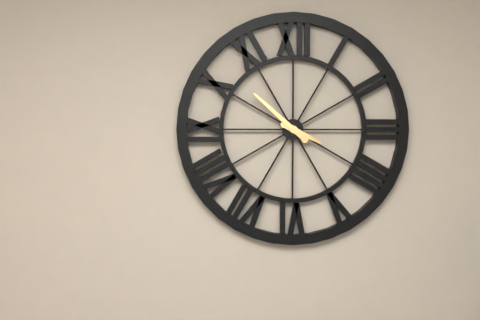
{"hour": 3, "minute": 52}
